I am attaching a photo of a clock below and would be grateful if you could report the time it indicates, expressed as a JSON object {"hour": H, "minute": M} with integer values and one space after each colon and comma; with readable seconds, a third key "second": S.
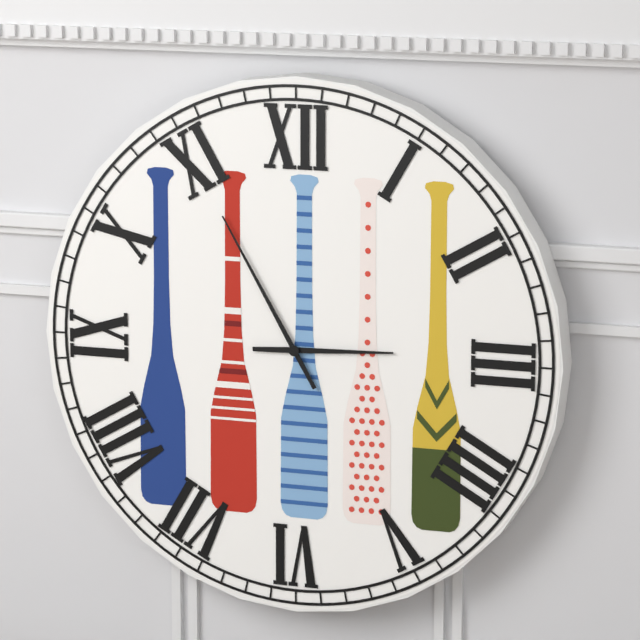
{"hour": 2, "minute": 55}
